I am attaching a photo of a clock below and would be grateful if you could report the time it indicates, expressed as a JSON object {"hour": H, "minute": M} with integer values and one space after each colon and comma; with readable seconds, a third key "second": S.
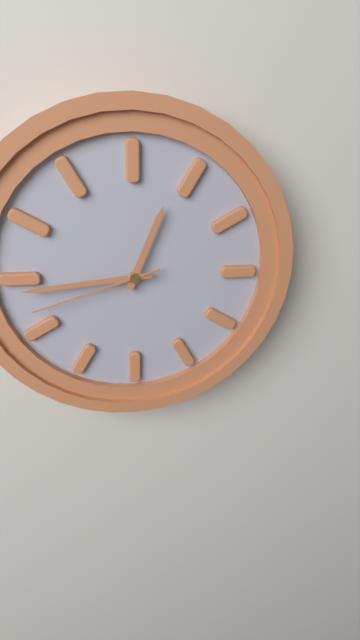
{"hour": 12, "minute": 44, "second": 42}
